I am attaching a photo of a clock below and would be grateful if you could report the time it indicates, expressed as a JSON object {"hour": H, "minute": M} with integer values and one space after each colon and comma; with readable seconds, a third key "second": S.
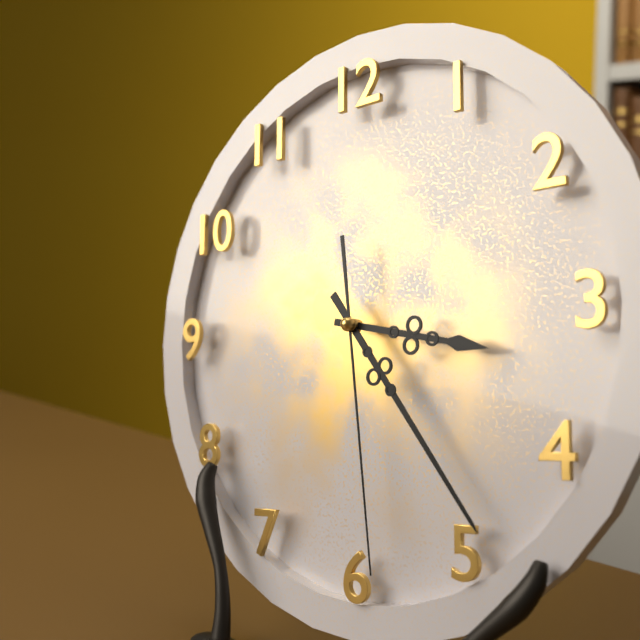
{"hour": 3, "minute": 24, "second": 29}
